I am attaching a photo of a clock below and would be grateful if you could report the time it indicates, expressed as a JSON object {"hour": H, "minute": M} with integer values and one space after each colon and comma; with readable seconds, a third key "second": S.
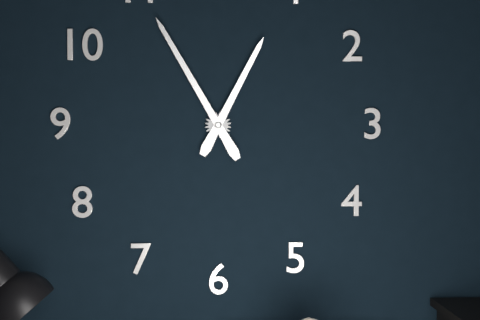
{"hour": 12, "minute": 55}
